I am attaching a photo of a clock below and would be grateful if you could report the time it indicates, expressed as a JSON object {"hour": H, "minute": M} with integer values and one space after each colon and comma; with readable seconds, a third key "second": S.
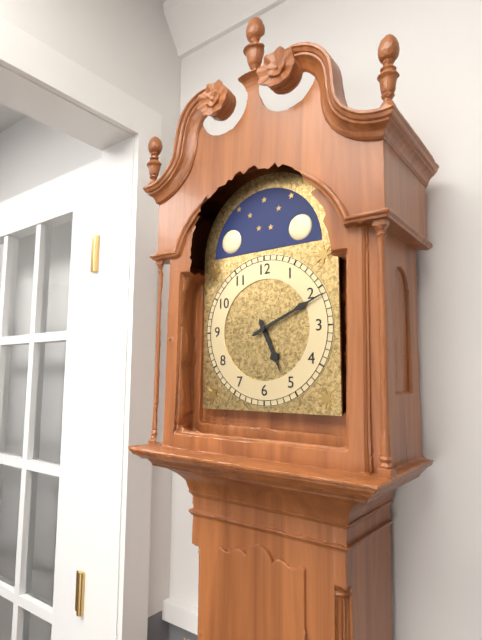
{"hour": 5, "minute": 11}
